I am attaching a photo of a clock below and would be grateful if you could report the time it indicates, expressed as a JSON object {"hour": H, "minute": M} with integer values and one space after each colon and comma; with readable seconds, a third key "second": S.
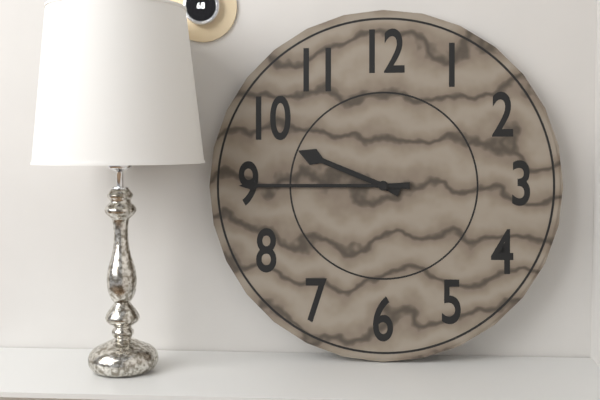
{"hour": 9, "minute": 45}
